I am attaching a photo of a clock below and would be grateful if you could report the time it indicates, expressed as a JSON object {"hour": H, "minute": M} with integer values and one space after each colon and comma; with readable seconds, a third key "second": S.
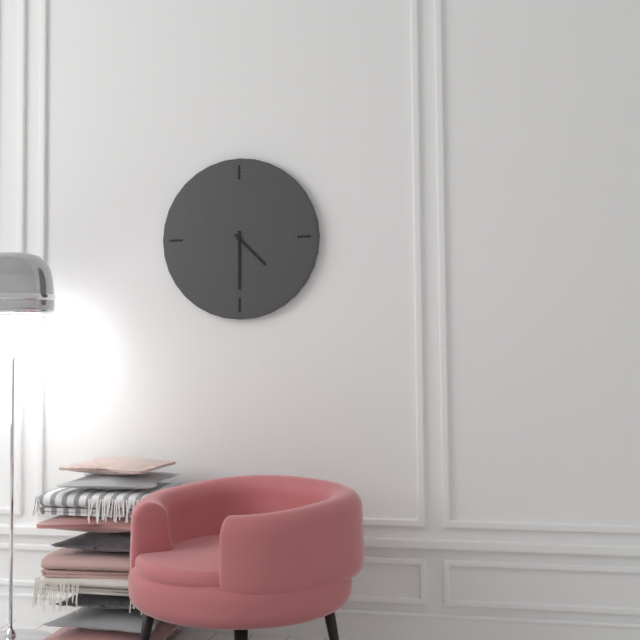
{"hour": 4, "minute": 30}
